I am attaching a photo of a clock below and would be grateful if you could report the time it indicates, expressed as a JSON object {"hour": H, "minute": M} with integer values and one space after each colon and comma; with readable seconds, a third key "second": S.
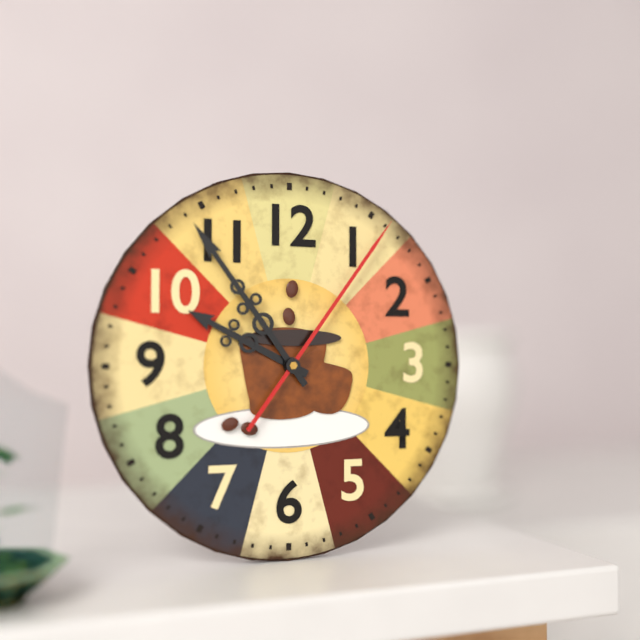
{"hour": 9, "minute": 54, "second": 6}
